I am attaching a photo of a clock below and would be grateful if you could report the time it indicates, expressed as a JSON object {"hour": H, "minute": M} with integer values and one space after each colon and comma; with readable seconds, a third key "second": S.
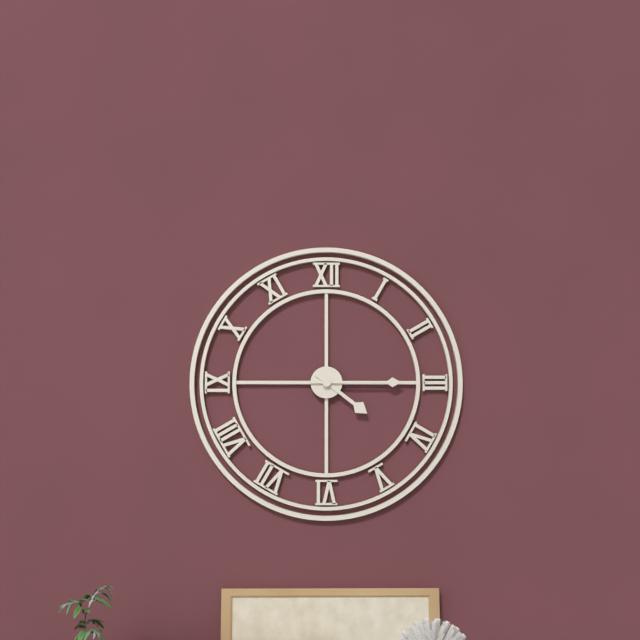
{"hour": 4, "minute": 15}
